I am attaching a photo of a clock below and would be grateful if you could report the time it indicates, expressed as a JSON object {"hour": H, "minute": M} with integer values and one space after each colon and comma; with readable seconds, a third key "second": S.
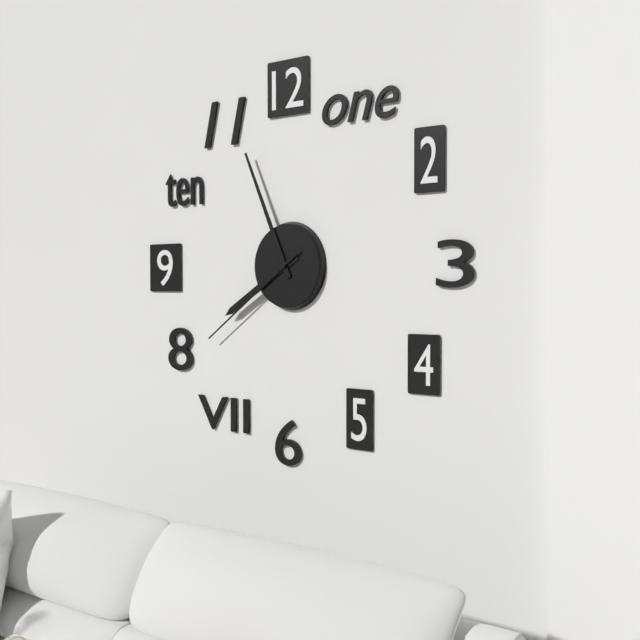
{"hour": 7, "minute": 56, "second": 39}
